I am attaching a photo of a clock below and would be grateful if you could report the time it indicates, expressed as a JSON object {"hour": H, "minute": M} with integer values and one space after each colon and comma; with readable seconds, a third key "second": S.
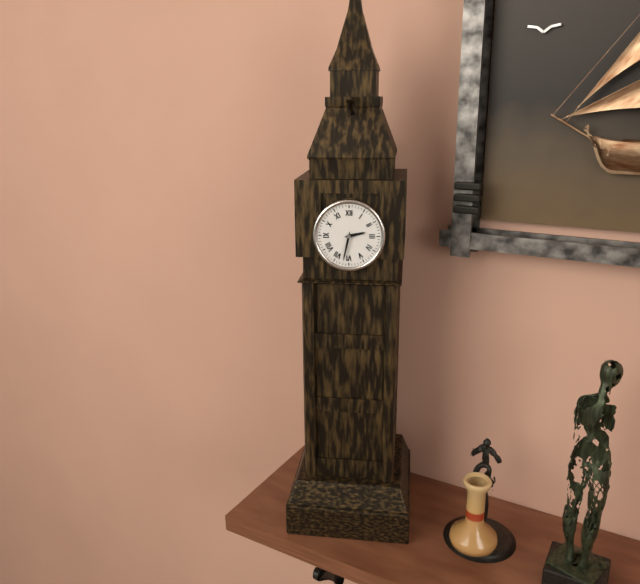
{"hour": 2, "minute": 32}
